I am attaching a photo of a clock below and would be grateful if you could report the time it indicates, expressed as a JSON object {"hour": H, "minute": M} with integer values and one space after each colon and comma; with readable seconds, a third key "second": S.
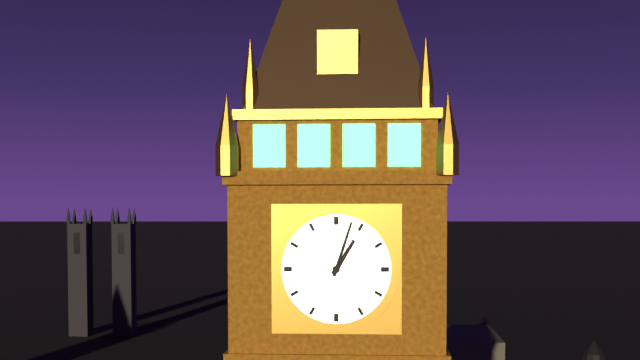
{"hour": 1, "minute": 3}
